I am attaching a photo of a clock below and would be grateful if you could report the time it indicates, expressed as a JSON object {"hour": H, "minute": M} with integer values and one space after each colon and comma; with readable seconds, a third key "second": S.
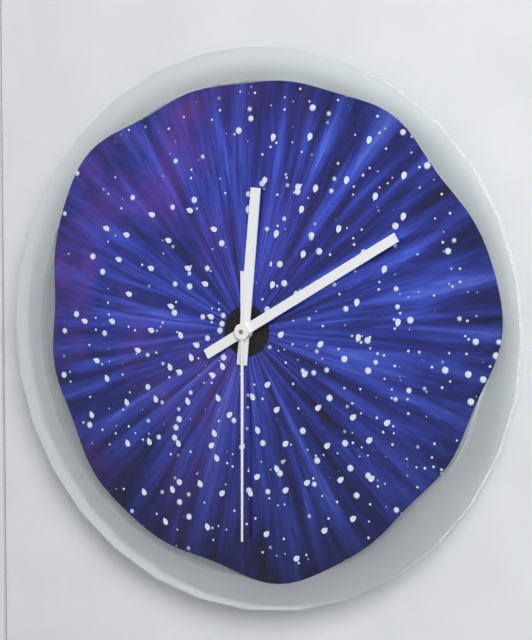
{"hour": 12, "minute": 10, "second": 30}
